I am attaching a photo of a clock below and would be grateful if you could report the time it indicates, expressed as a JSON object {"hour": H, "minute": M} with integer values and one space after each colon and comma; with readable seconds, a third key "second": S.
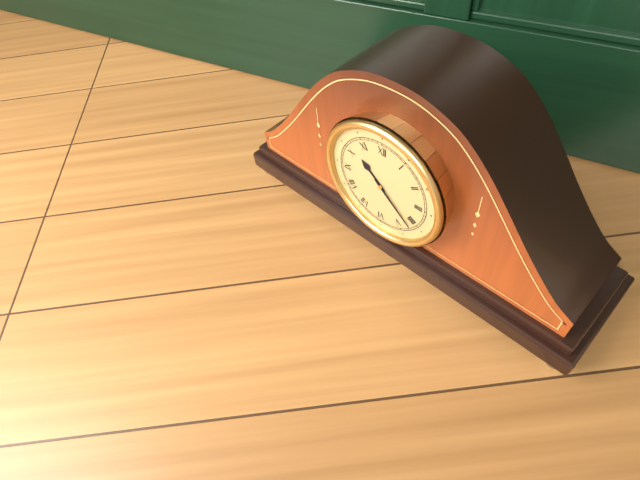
{"hour": 10, "minute": 22}
